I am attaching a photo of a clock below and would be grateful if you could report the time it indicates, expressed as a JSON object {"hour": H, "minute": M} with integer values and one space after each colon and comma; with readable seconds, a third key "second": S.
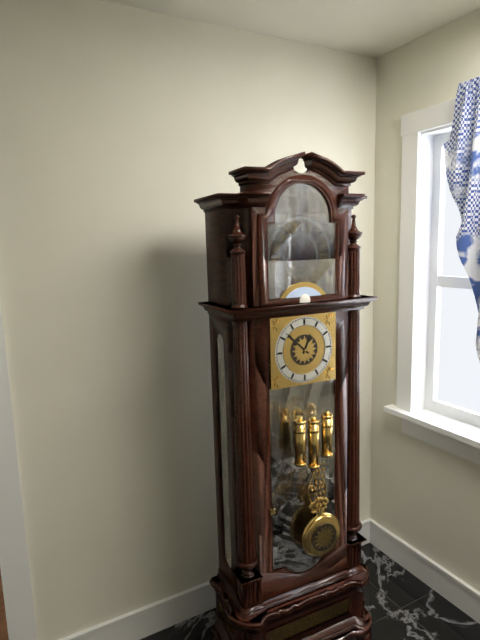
{"hour": 12, "minute": 52}
